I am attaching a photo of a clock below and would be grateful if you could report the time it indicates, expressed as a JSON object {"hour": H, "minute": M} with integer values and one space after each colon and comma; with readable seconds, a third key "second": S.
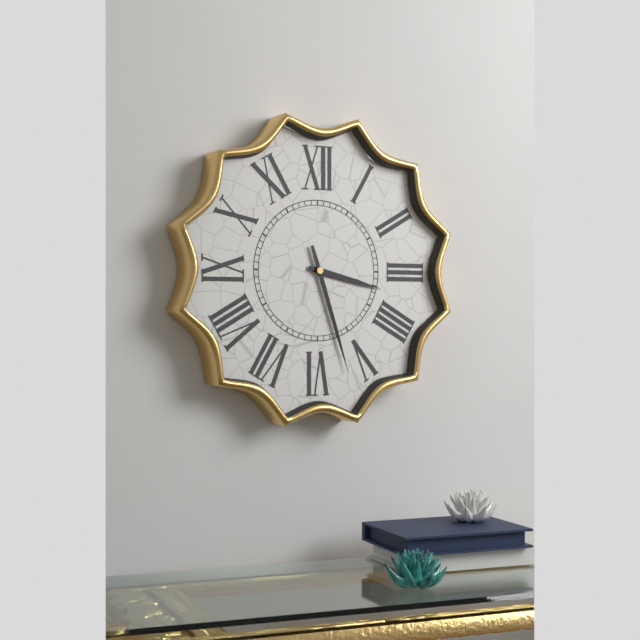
{"hour": 3, "minute": 27}
